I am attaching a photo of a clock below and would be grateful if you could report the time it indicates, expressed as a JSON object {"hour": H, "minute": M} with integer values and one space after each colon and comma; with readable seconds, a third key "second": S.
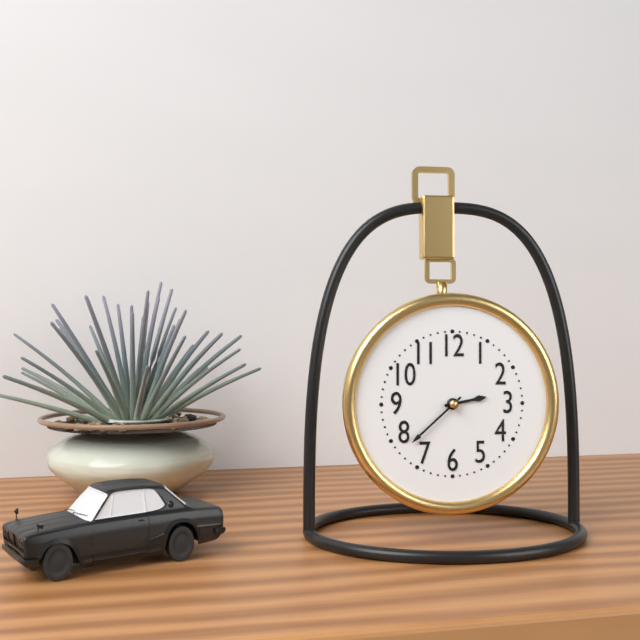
{"hour": 2, "minute": 38}
